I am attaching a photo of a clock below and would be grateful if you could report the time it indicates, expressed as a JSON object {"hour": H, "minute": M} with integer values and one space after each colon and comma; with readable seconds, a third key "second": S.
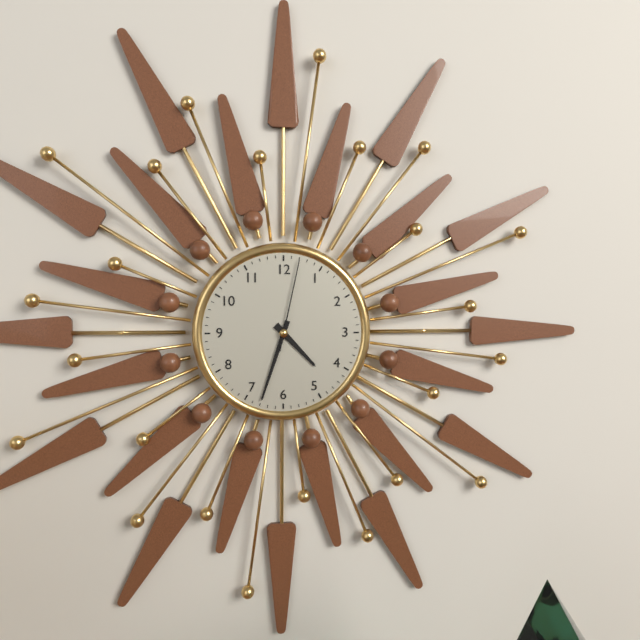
{"hour": 4, "minute": 33, "second": 2}
